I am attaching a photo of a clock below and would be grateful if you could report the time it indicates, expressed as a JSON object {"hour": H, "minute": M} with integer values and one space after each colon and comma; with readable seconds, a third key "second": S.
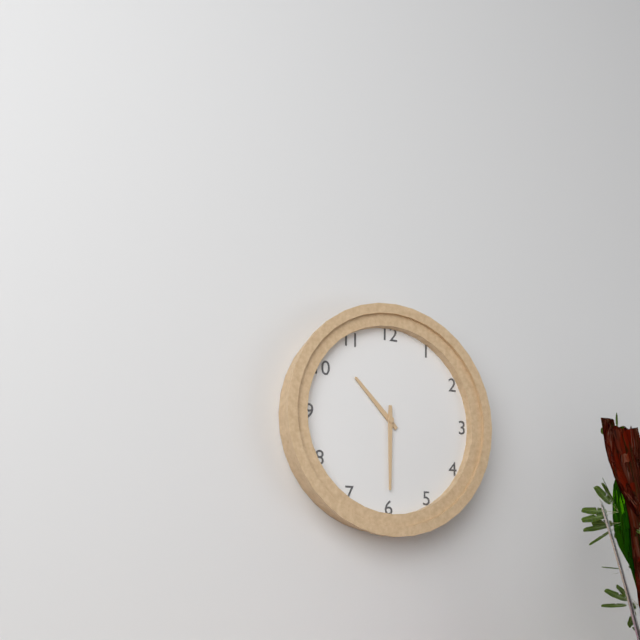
{"hour": 10, "minute": 30}
